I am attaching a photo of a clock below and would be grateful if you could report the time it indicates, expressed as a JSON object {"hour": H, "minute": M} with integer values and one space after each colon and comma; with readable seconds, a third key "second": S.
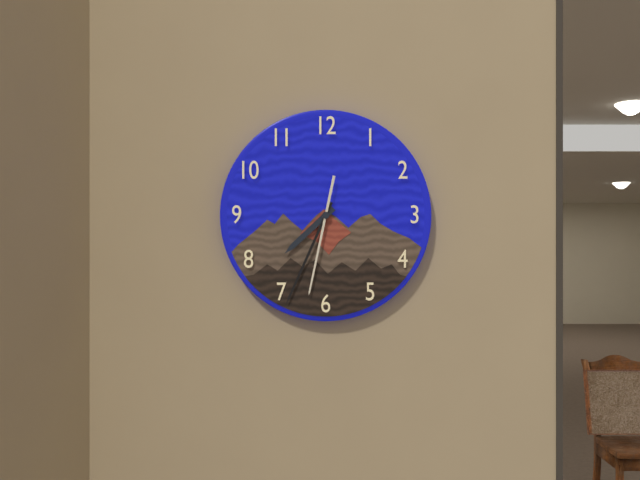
{"hour": 7, "minute": 34, "second": 32}
